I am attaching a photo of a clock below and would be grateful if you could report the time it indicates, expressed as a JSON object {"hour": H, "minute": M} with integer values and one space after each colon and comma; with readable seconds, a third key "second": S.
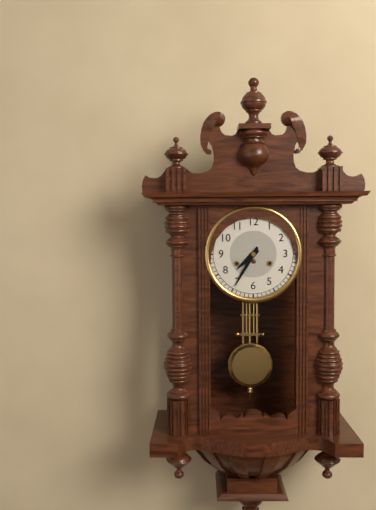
{"hour": 7, "minute": 35}
